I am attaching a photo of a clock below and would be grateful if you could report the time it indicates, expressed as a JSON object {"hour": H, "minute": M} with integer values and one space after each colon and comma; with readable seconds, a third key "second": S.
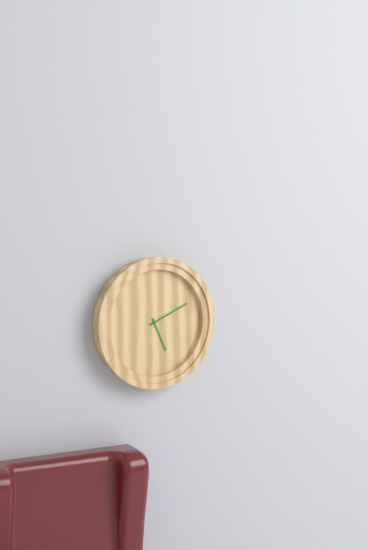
{"hour": 5, "minute": 11}
